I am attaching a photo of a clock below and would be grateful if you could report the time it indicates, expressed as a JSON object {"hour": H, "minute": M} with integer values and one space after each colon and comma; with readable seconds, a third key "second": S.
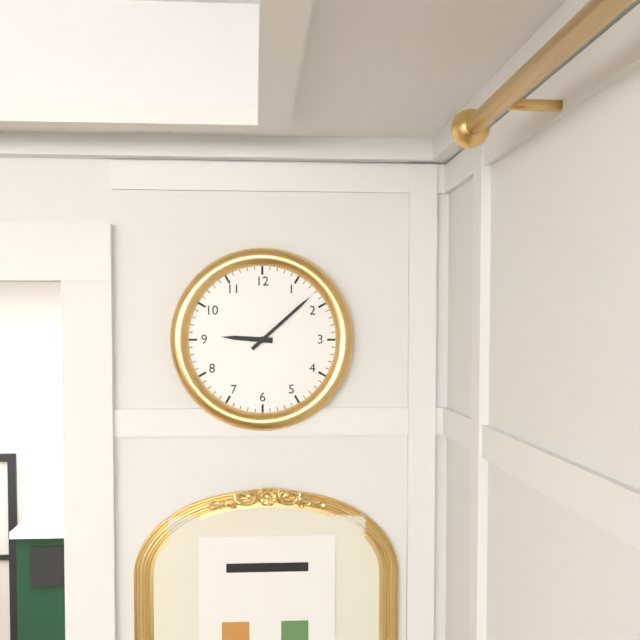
{"hour": 9, "minute": 8}
